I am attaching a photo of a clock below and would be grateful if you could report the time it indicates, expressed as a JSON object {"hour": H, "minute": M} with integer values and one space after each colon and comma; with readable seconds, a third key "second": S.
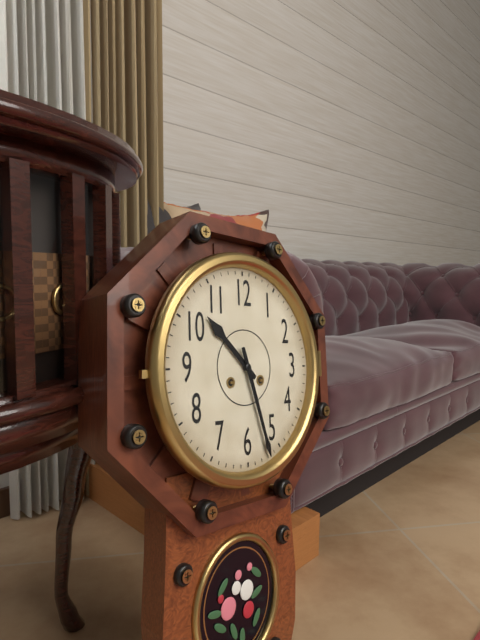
{"hour": 10, "minute": 27}
